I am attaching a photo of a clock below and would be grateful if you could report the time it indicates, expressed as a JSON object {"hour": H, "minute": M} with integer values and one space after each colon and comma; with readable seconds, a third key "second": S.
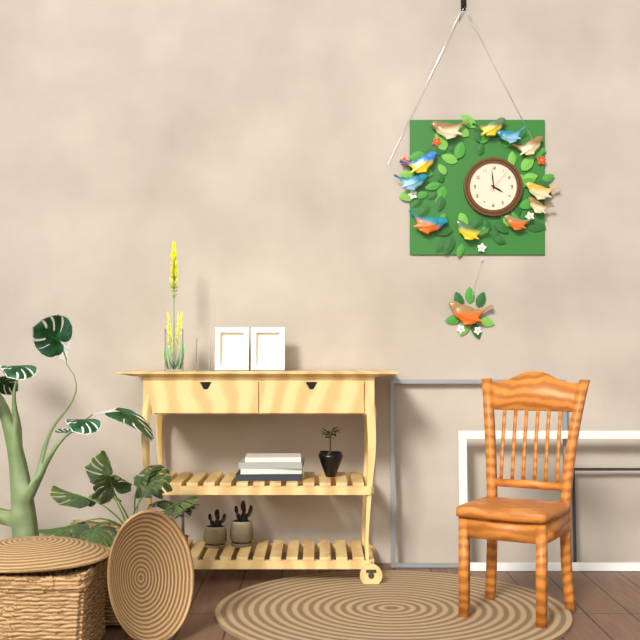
{"hour": 3, "minute": 59}
